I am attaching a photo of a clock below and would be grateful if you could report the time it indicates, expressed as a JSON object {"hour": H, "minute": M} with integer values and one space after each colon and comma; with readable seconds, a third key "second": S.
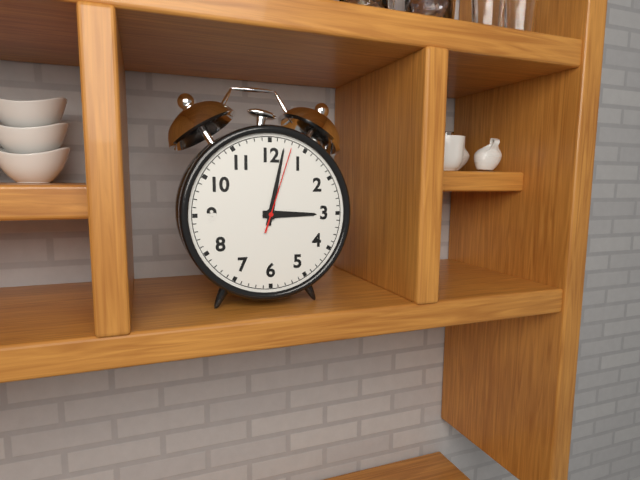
{"hour": 3, "minute": 2, "second": 3}
